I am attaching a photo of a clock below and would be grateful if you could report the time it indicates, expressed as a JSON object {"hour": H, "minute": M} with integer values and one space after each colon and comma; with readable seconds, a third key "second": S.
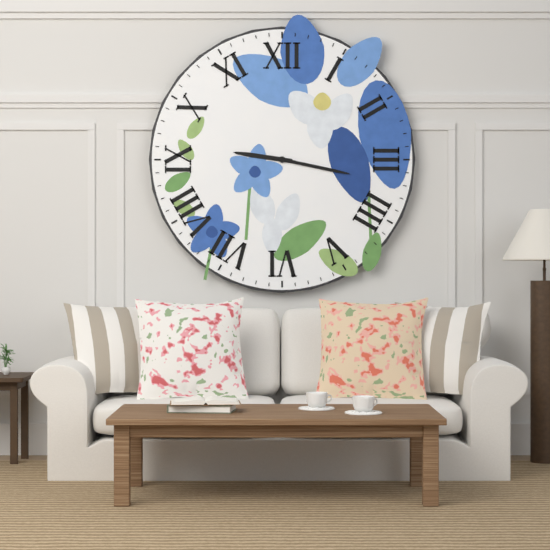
{"hour": 9, "minute": 17}
